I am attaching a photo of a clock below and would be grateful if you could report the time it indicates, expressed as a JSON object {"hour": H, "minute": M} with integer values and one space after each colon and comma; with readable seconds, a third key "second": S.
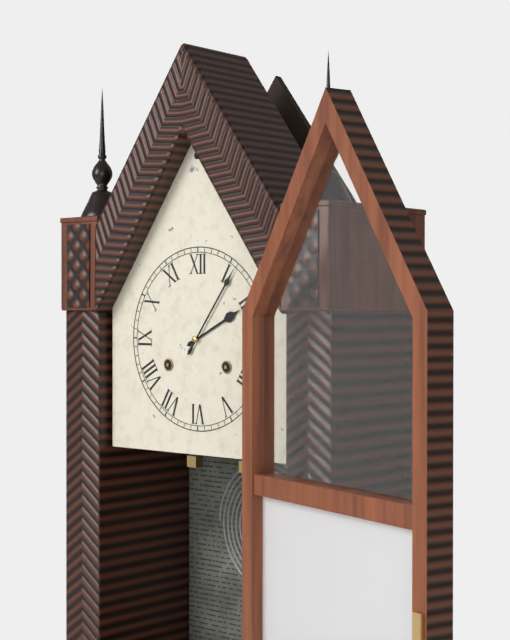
{"hour": 2, "minute": 6}
